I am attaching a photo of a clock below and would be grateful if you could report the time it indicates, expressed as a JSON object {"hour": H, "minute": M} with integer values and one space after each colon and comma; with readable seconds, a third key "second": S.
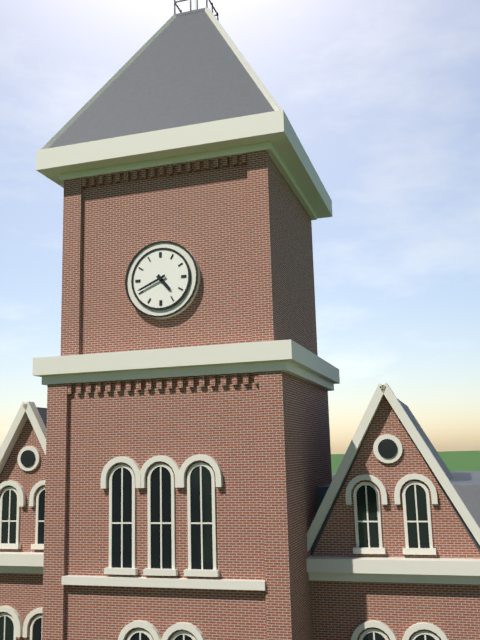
{"hour": 4, "minute": 41}
